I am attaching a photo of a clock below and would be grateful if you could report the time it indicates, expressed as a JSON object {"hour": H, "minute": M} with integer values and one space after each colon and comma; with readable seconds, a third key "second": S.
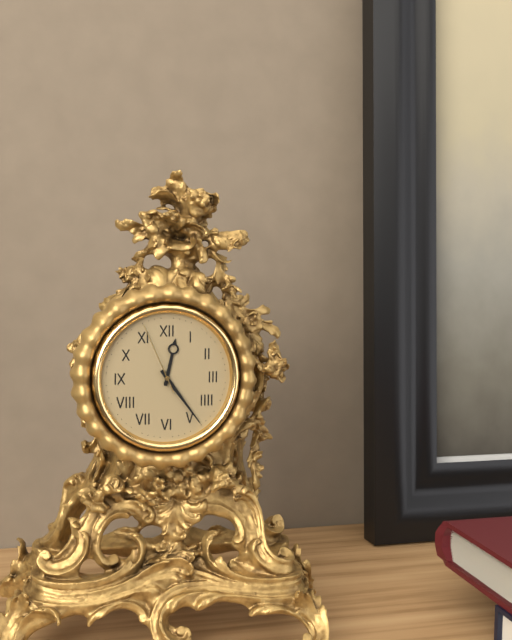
{"hour": 12, "minute": 24, "second": 56}
